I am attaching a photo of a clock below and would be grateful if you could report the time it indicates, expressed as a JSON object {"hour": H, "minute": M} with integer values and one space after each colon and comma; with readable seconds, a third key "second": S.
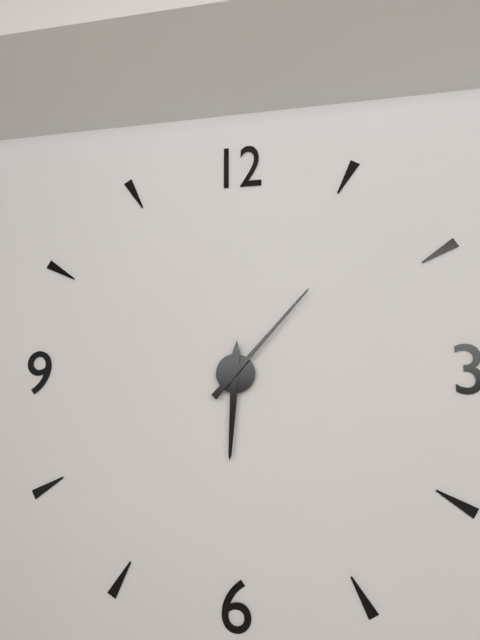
{"hour": 6, "minute": 7}
